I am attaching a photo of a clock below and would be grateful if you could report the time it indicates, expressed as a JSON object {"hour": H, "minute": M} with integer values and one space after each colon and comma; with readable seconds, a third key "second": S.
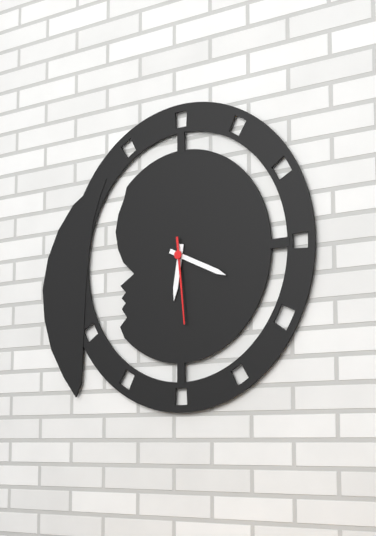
{"hour": 6, "minute": 19, "second": 29}
